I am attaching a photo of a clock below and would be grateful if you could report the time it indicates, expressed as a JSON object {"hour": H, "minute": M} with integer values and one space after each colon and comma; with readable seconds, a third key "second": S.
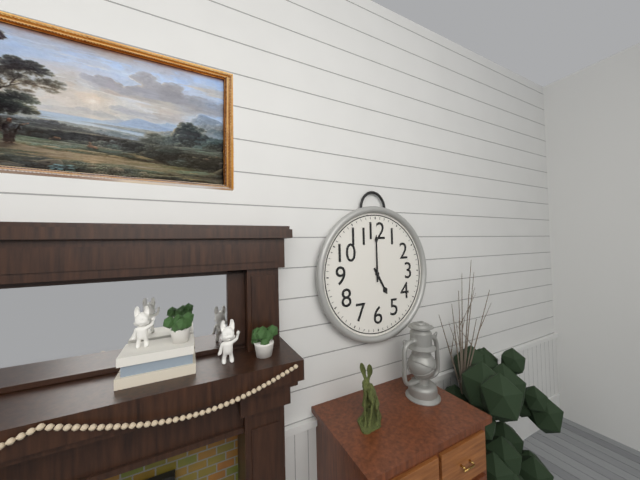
{"hour": 5, "minute": 0}
